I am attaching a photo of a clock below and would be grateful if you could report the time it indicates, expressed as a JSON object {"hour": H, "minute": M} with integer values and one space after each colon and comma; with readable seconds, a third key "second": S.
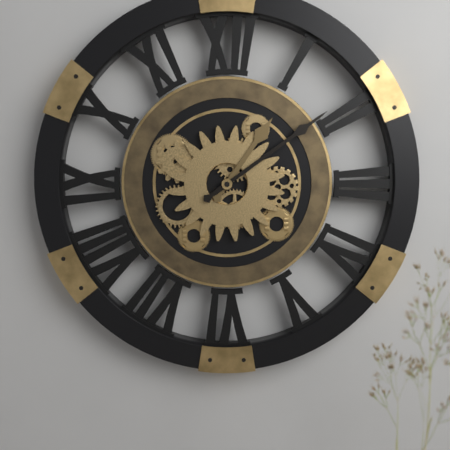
{"hour": 1, "minute": 9}
